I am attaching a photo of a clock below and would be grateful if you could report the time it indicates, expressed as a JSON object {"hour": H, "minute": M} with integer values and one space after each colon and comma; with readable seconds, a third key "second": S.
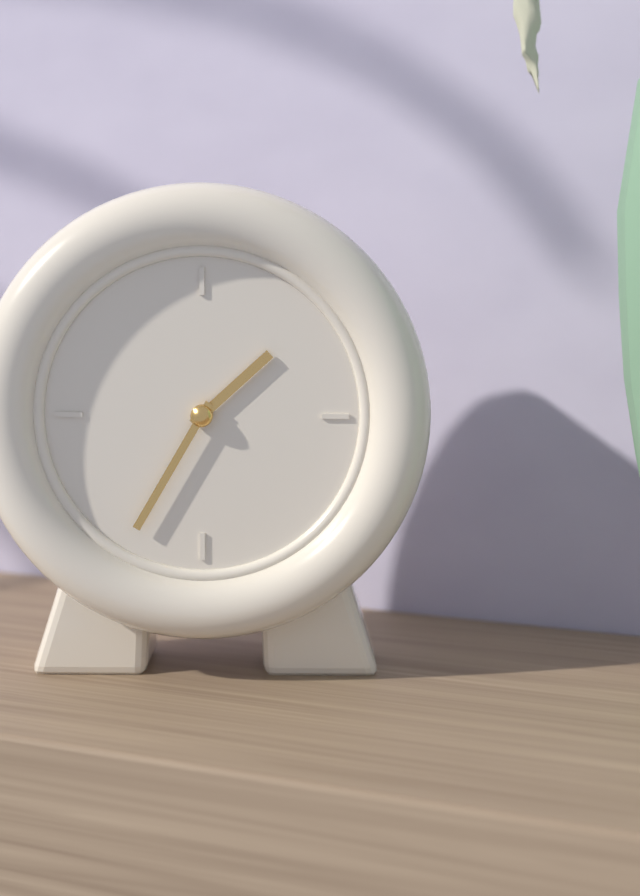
{"hour": 1, "minute": 35}
